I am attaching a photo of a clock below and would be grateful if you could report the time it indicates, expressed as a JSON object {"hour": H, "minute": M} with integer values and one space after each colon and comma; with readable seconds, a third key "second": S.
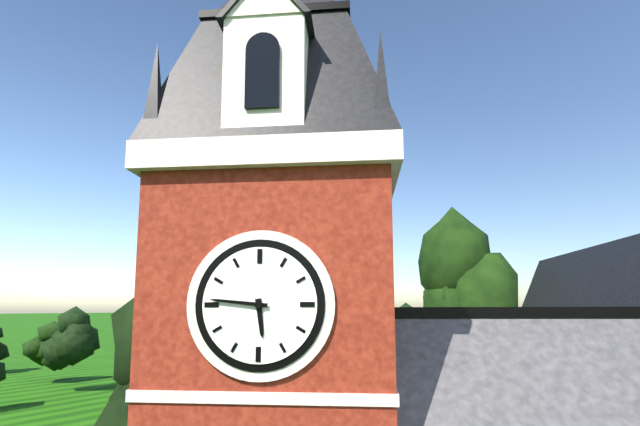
{"hour": 5, "minute": 46}
